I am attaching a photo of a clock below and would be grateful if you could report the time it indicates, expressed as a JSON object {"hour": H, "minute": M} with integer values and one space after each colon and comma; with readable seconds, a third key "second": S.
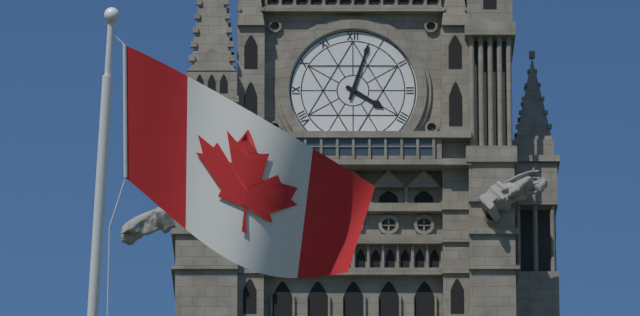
{"hour": 4, "minute": 3}
